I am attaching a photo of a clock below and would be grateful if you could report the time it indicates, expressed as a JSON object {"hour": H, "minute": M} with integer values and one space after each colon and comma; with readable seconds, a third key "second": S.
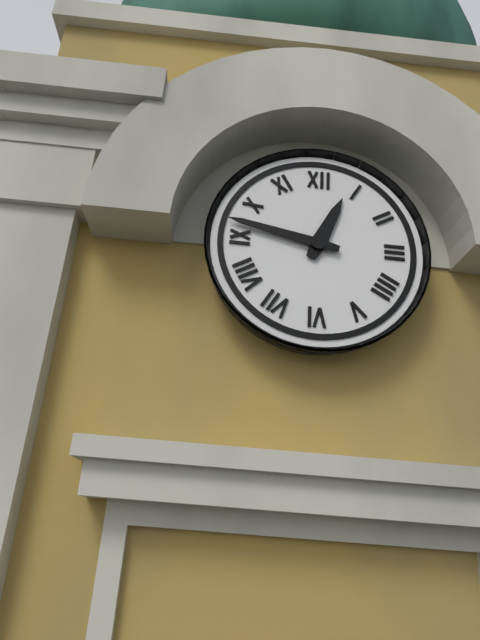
{"hour": 12, "minute": 47}
